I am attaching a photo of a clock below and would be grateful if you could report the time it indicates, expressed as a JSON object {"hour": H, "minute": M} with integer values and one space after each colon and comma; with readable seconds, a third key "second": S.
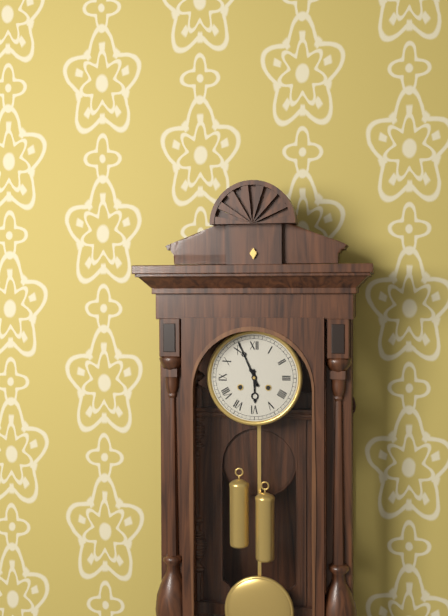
{"hour": 5, "minute": 56}
